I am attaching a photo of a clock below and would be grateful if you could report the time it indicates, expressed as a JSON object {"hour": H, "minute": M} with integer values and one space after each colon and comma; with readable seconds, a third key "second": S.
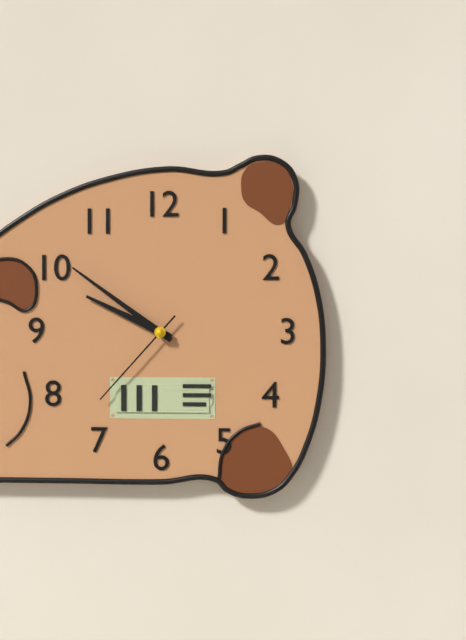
{"hour": 9, "minute": 51, "second": 37}
